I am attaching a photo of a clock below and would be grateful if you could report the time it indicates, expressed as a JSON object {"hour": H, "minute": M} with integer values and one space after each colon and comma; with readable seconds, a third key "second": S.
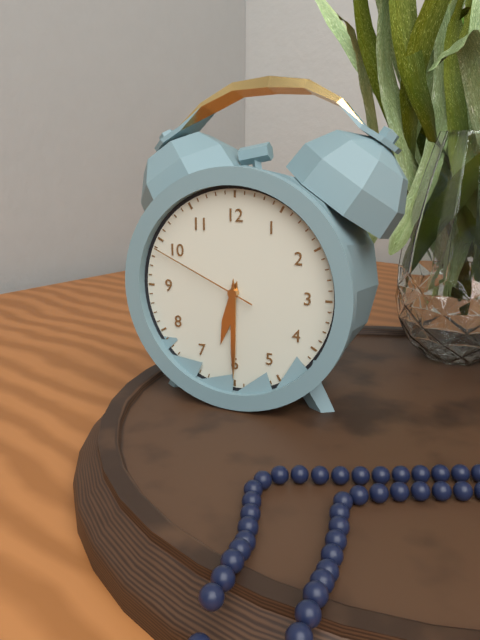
{"hour": 6, "minute": 30, "second": 49}
